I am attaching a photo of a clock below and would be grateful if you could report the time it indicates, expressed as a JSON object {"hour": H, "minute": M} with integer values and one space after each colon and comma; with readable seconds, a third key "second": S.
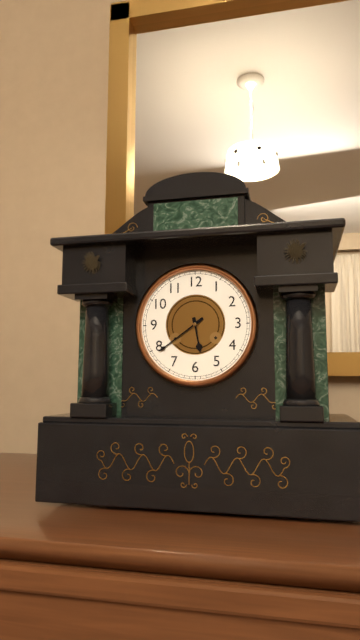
{"hour": 5, "minute": 39}
